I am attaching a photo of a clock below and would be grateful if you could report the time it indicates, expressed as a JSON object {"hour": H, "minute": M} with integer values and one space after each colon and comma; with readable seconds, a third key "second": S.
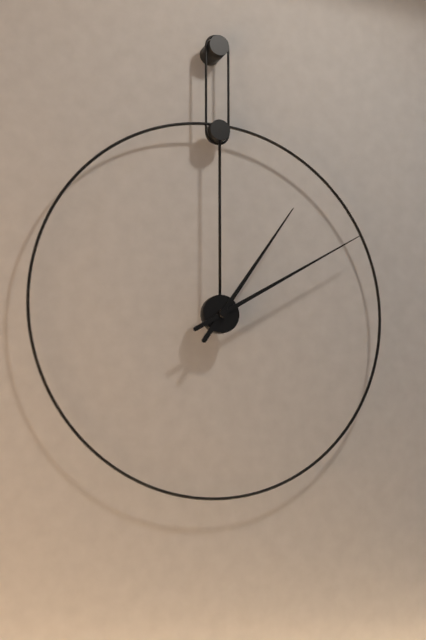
{"hour": 1, "minute": 10}
